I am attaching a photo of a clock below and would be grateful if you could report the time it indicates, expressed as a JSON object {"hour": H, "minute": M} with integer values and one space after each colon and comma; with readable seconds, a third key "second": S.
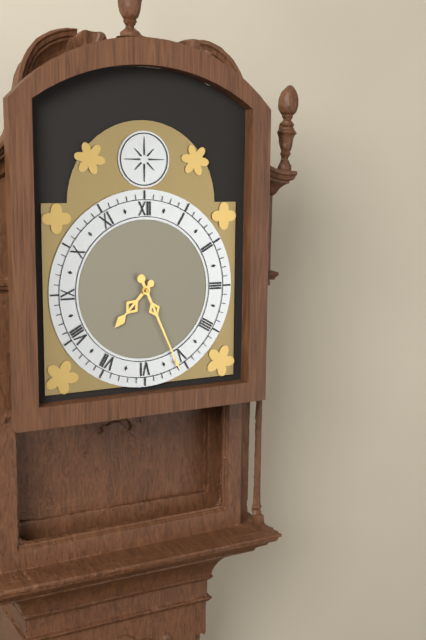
{"hour": 7, "minute": 26}
